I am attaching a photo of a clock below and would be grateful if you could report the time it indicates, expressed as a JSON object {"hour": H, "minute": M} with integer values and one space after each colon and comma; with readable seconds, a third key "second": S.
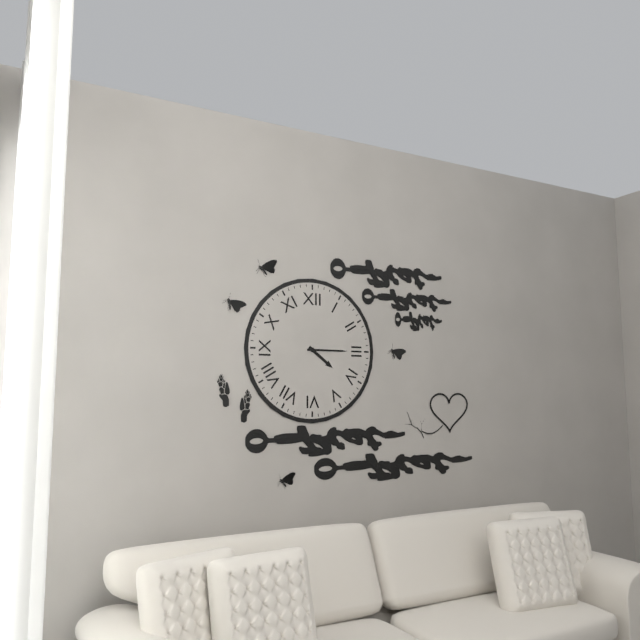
{"hour": 4, "minute": 15}
